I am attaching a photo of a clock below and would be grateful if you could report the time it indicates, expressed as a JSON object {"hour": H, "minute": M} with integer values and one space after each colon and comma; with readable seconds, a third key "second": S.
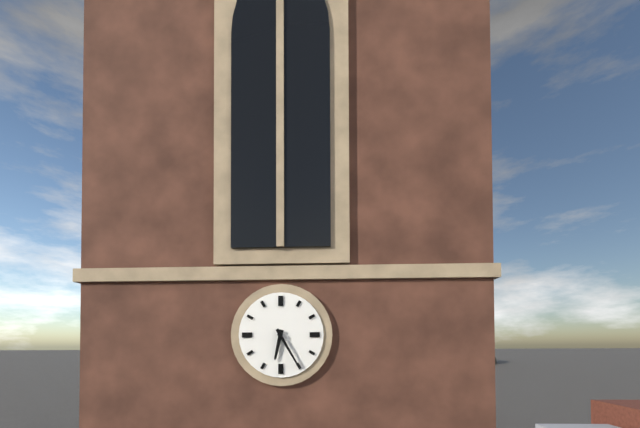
{"hour": 6, "minute": 25}
